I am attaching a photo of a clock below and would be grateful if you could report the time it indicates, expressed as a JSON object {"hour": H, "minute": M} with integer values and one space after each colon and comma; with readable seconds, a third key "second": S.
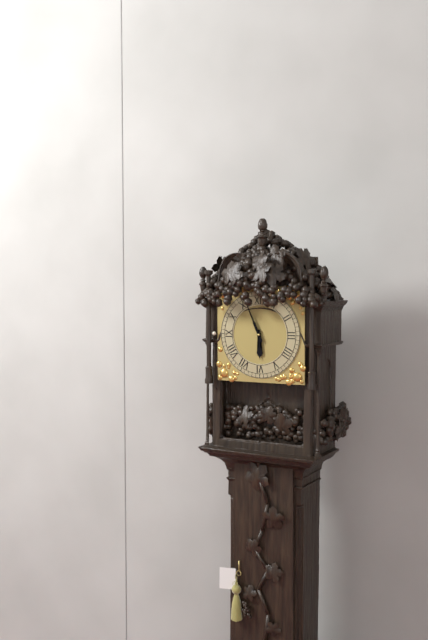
{"hour": 5, "minute": 56}
